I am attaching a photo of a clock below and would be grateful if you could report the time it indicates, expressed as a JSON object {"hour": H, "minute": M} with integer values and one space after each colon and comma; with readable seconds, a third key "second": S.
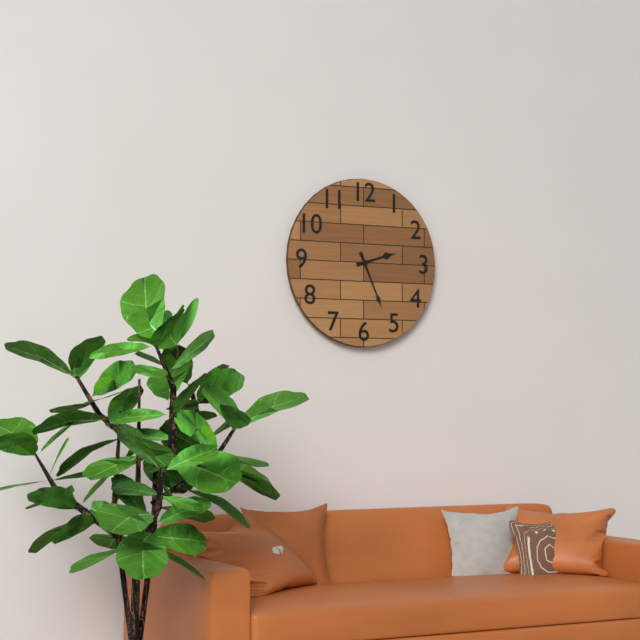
{"hour": 2, "minute": 26}
